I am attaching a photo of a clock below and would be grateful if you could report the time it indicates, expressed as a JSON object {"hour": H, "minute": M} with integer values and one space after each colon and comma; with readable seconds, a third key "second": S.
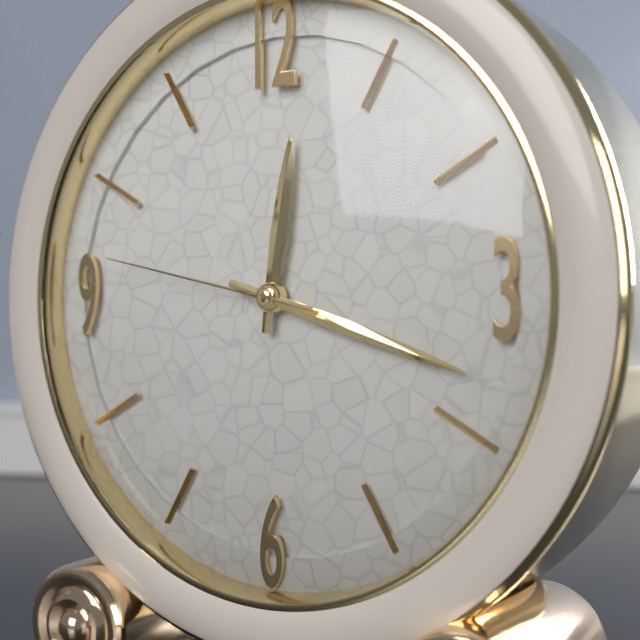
{"hour": 12, "minute": 18, "second": 47}
